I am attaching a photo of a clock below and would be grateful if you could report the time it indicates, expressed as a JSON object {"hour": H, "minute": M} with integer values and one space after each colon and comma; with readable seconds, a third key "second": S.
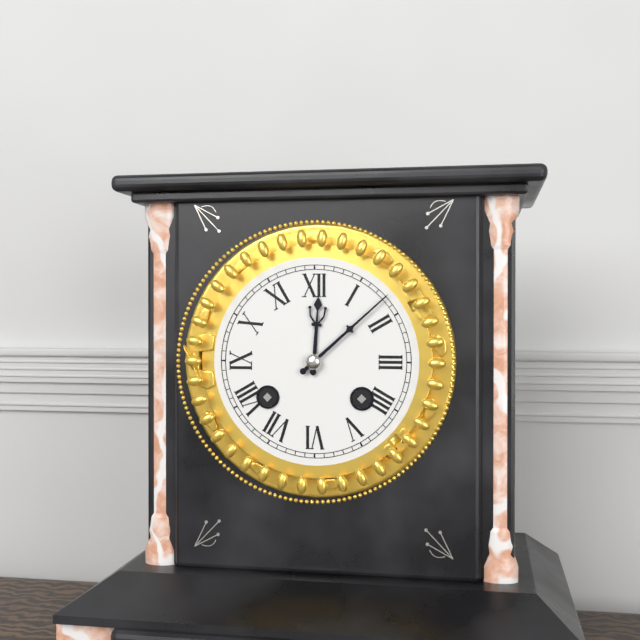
{"hour": 12, "minute": 8}
